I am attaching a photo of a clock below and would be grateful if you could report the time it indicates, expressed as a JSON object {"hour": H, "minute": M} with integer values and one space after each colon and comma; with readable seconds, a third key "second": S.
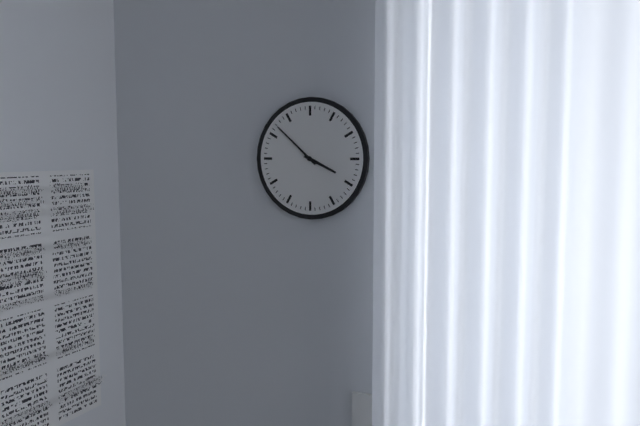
{"hour": 3, "minute": 52}
